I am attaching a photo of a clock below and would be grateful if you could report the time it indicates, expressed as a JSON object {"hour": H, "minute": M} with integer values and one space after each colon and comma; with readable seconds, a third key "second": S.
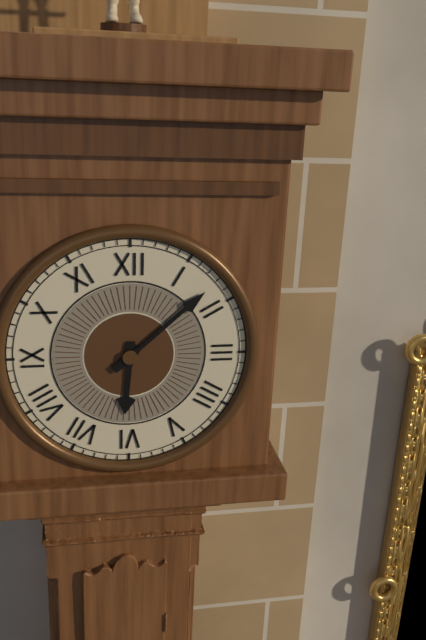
{"hour": 6, "minute": 8}
